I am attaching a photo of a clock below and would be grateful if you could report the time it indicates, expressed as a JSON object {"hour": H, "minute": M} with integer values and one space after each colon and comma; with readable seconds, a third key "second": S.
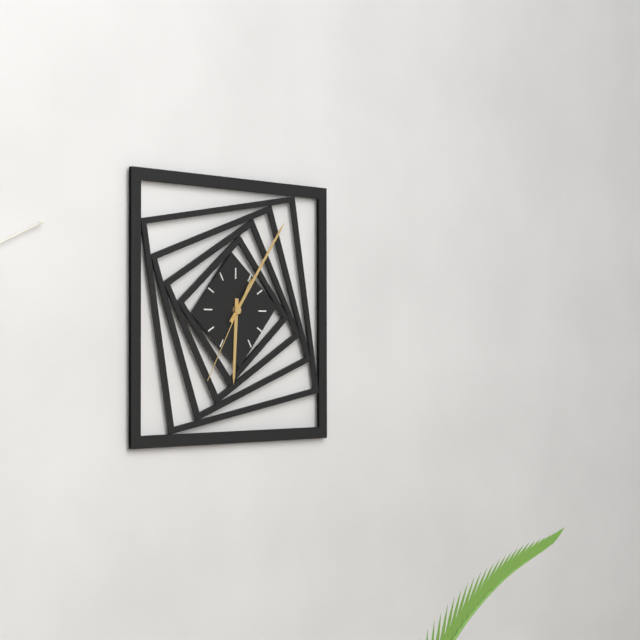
{"hour": 6, "minute": 6, "second": 35}
